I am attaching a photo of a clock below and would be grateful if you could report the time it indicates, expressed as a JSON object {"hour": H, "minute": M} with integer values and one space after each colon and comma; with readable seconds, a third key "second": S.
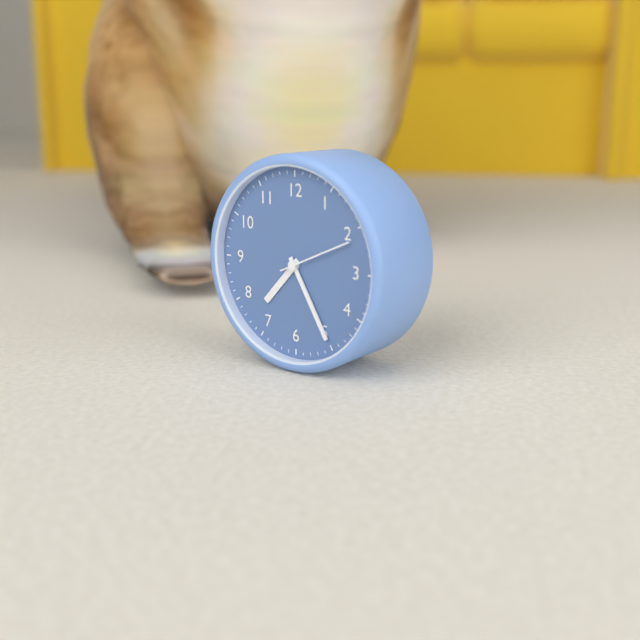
{"hour": 7, "minute": 25}
